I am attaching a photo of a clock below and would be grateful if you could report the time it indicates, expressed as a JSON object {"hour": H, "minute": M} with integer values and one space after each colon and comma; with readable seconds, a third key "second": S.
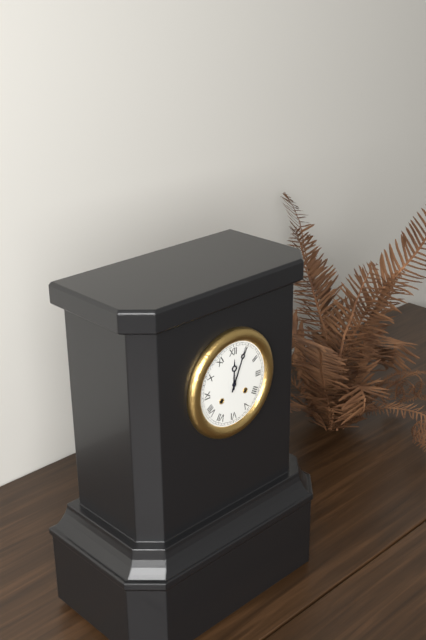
{"hour": 12, "minute": 4}
